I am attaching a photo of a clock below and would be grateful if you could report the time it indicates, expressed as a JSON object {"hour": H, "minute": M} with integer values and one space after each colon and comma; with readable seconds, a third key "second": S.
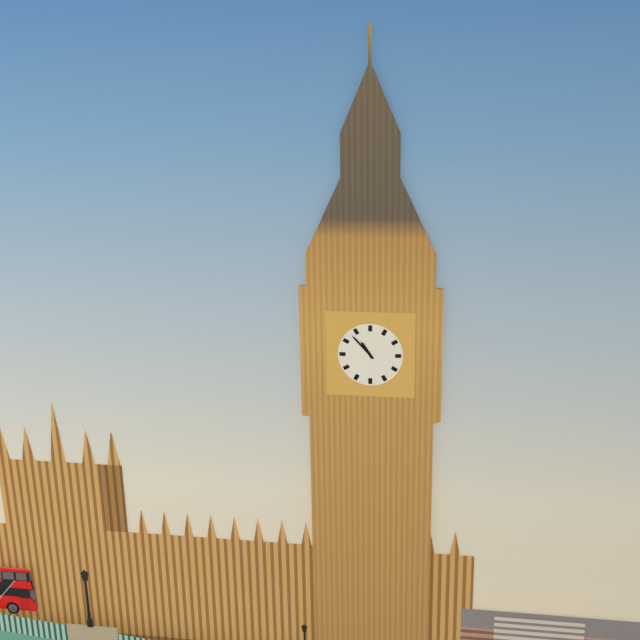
{"hour": 10, "minute": 53}
